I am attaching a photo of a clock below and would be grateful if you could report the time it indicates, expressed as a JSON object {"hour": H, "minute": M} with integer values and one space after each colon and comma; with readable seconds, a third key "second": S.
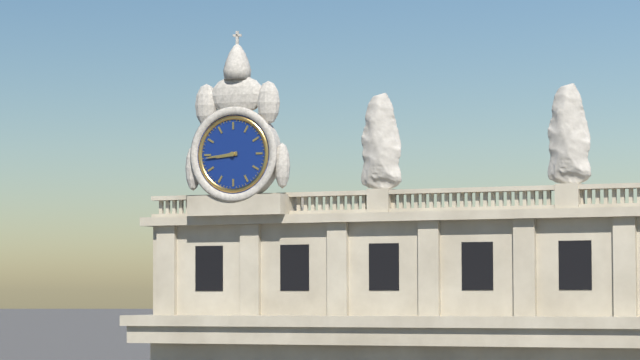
{"hour": 8, "minute": 44}
